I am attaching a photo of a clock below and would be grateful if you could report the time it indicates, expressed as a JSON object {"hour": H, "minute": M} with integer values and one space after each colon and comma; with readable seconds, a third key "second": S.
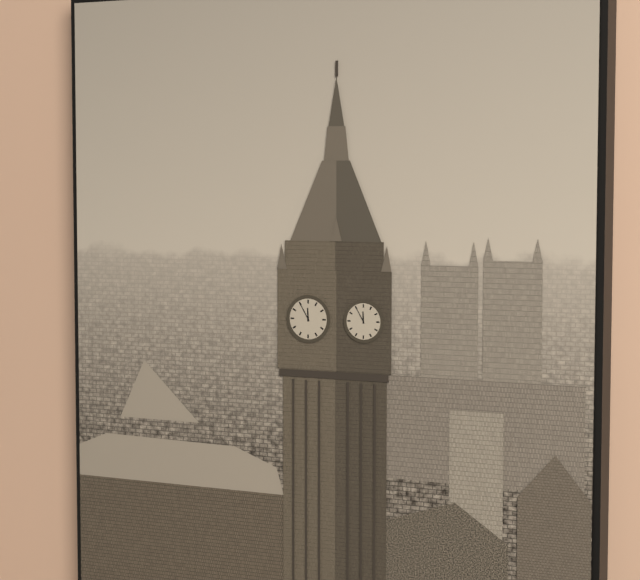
{"hour": 11, "minute": 55}
